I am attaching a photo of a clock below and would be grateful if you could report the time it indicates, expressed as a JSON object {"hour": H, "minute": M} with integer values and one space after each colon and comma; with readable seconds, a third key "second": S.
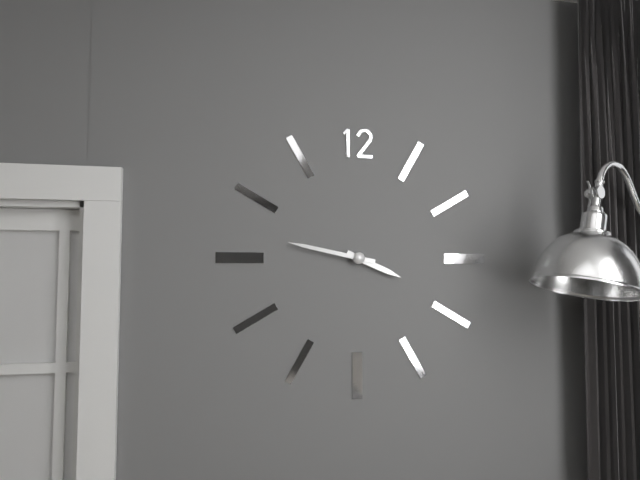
{"hour": 3, "minute": 47}
